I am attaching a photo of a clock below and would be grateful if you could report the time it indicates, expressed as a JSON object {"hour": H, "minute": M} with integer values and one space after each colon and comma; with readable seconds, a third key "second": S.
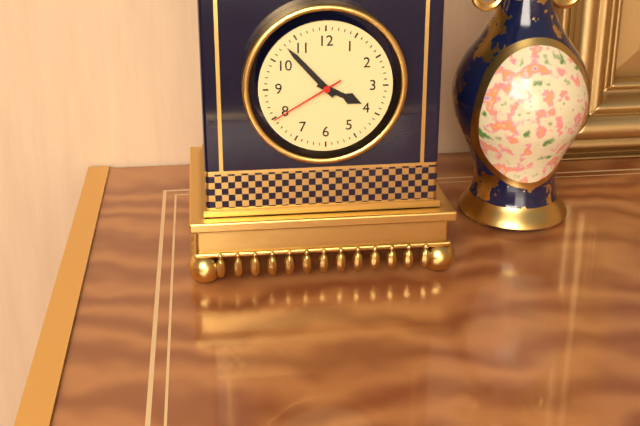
{"hour": 3, "minute": 53, "second": 40}
